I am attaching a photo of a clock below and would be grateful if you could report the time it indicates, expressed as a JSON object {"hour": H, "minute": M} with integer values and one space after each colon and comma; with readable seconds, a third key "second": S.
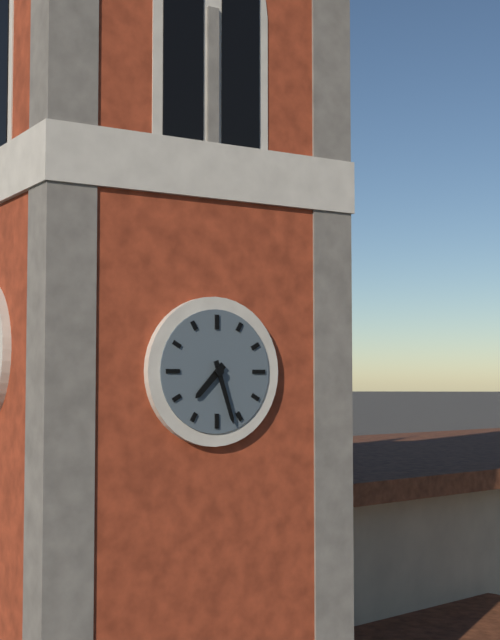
{"hour": 7, "minute": 27}
